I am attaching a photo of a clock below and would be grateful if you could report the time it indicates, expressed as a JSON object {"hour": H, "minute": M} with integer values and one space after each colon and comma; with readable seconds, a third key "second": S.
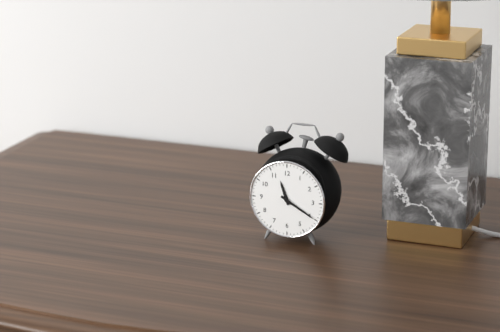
{"hour": 11, "minute": 20}
